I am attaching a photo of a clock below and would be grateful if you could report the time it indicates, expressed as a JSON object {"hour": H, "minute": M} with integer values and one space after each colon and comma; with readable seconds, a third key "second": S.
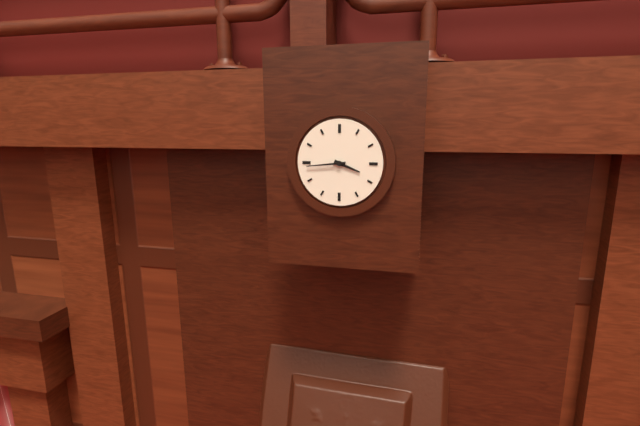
{"hour": 3, "minute": 44}
